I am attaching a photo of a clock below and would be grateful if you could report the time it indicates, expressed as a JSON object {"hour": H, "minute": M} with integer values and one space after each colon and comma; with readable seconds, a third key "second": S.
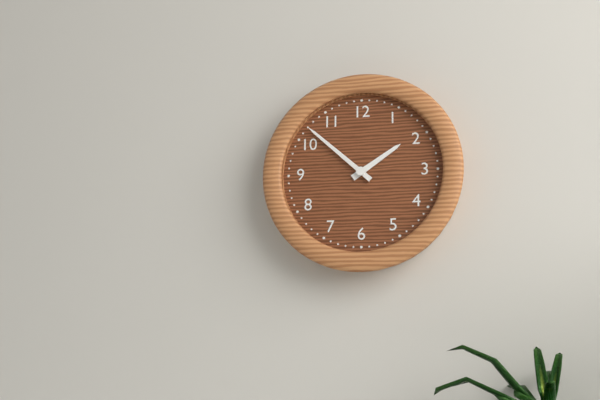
{"hour": 1, "minute": 52}
